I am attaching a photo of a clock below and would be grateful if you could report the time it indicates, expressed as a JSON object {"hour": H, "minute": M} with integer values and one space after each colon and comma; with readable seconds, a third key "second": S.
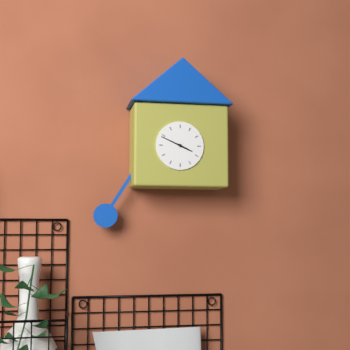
{"hour": 3, "minute": 49}
